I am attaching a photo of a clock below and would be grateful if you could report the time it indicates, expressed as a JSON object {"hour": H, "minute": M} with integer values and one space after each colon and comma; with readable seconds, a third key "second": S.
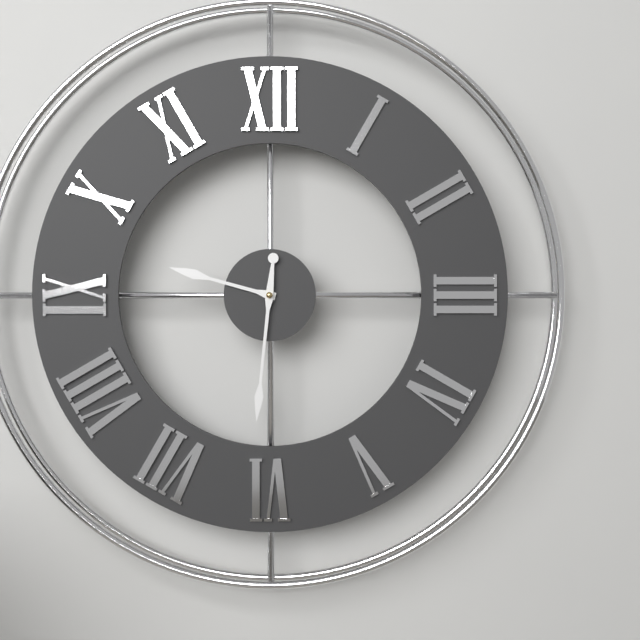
{"hour": 9, "minute": 31}
